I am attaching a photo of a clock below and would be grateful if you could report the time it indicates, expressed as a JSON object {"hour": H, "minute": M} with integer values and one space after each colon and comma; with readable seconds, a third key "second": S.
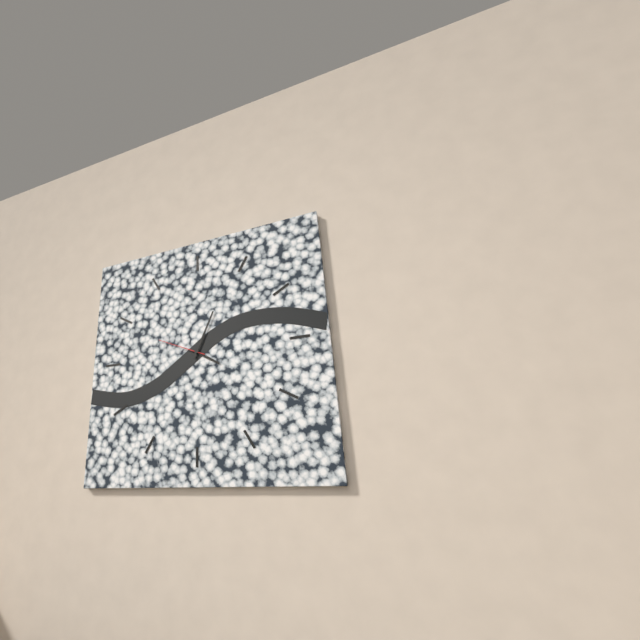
{"hour": 4, "minute": 4, "second": 49}
